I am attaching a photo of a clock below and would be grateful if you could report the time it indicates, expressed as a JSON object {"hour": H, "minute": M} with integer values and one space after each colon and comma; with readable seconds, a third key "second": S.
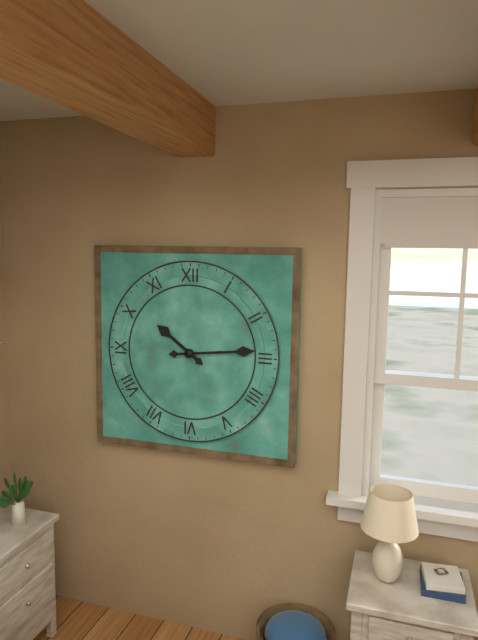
{"hour": 10, "minute": 14}
